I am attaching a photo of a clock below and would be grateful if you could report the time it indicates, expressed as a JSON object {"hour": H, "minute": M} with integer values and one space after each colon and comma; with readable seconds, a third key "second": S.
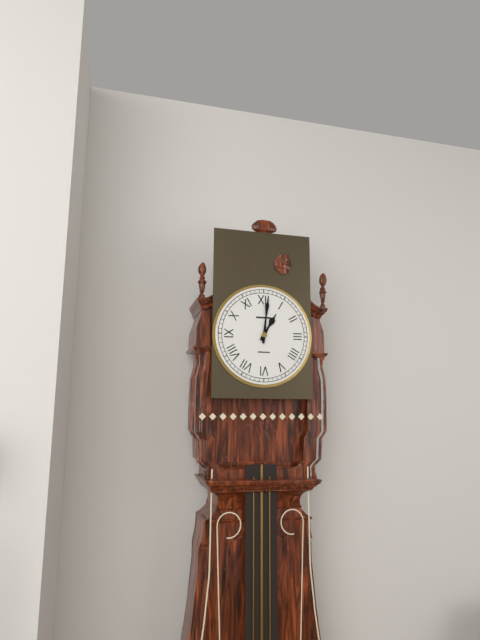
{"hour": 1, "minute": 1}
